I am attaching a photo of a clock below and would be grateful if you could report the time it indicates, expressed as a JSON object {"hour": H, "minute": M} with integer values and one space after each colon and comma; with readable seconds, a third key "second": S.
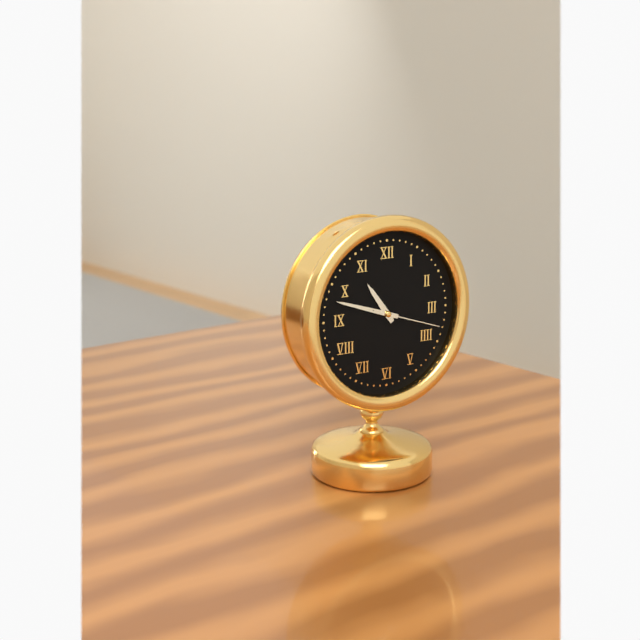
{"hour": 10, "minute": 48, "second": 18}
